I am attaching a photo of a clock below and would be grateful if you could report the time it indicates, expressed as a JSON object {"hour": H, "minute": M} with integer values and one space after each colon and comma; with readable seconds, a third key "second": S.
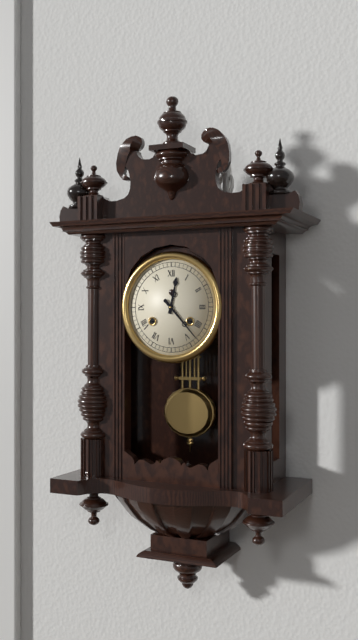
{"hour": 12, "minute": 23}
